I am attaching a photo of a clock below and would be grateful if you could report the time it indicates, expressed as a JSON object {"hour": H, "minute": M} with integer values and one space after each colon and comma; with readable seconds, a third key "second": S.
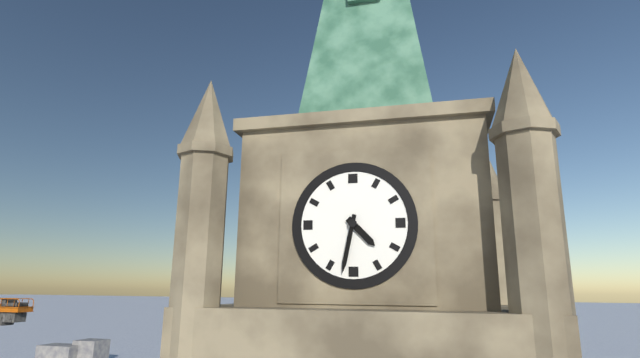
{"hour": 4, "minute": 32}
